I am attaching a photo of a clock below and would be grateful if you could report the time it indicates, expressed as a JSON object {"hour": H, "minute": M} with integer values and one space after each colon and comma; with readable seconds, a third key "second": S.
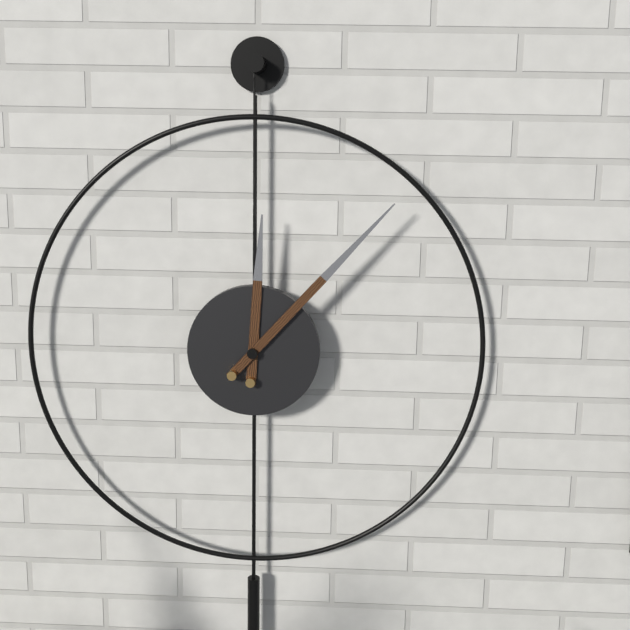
{"hour": 12, "minute": 7}
